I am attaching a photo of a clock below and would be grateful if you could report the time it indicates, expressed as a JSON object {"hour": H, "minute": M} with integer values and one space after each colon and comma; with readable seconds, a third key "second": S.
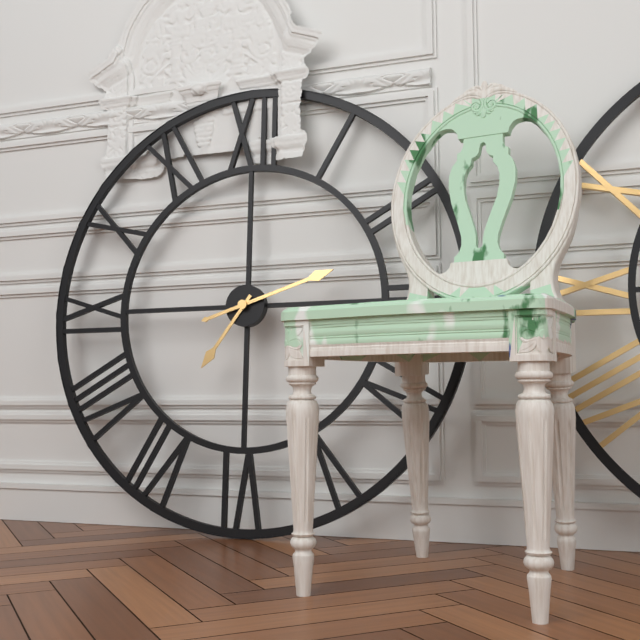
{"hour": 7, "minute": 12}
